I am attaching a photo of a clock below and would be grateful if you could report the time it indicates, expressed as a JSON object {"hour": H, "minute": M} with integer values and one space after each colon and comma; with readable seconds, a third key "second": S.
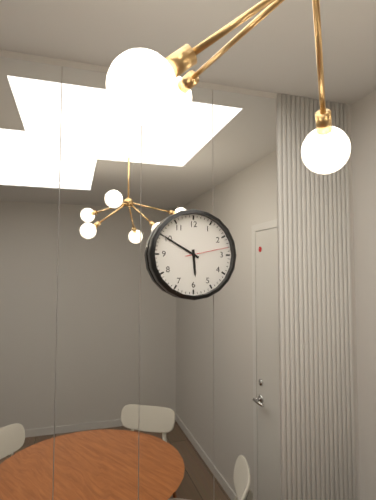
{"hour": 5, "minute": 50}
